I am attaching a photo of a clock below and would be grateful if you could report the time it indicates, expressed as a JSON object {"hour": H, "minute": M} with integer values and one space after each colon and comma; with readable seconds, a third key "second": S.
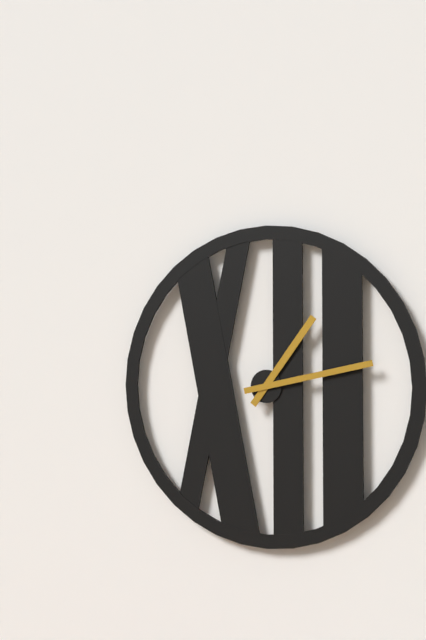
{"hour": 1, "minute": 13}
